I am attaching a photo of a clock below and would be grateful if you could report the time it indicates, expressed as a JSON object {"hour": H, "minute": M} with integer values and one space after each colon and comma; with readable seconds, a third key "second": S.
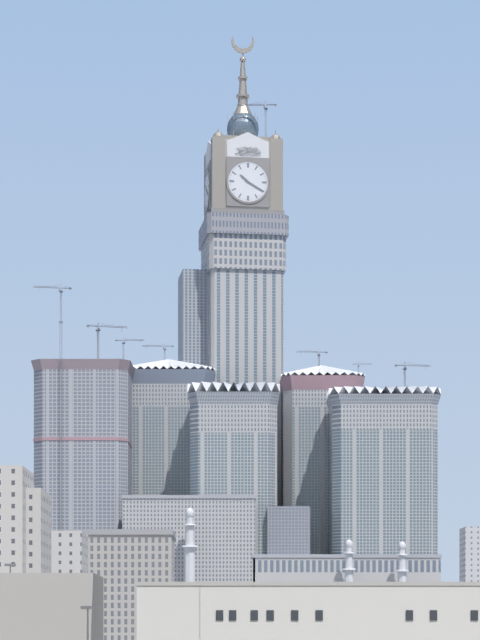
{"hour": 10, "minute": 20}
